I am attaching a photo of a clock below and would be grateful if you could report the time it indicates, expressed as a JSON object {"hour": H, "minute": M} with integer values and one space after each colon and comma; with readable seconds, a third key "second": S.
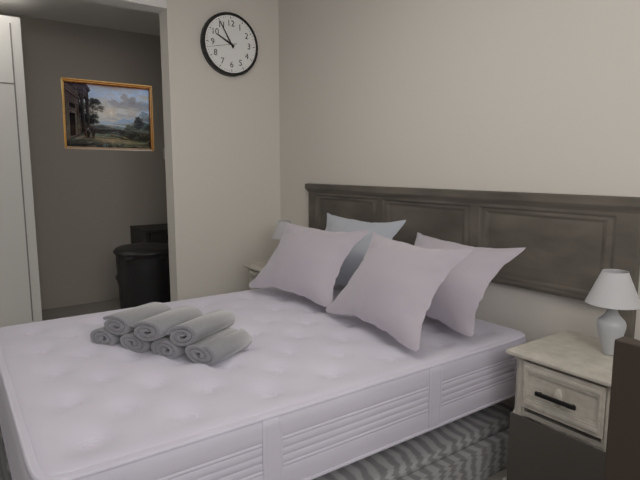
{"hour": 9, "minute": 55}
